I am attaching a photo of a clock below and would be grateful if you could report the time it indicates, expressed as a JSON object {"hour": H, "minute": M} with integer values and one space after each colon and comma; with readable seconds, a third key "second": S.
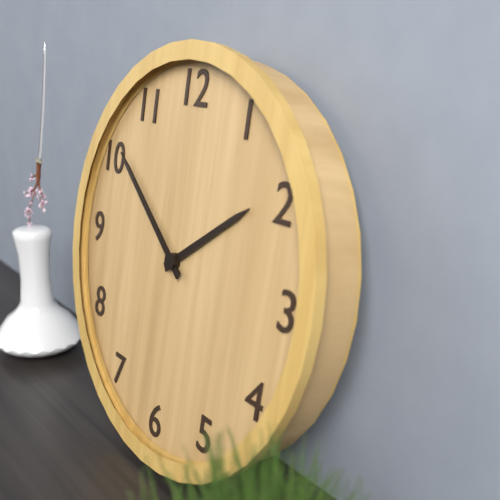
{"hour": 1, "minute": 51}
